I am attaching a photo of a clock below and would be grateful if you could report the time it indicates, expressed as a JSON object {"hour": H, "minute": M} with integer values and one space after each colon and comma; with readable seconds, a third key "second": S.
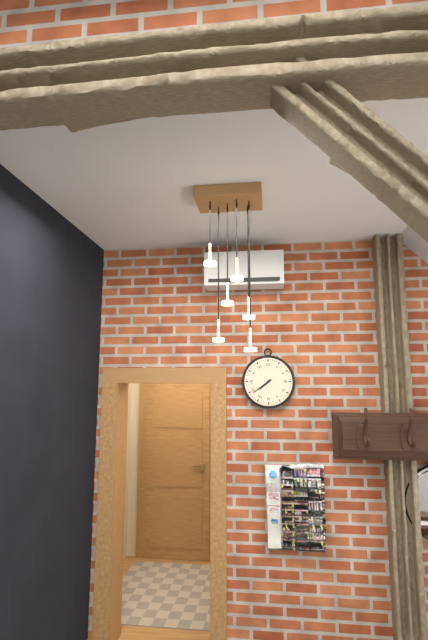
{"hour": 7, "minute": 39}
